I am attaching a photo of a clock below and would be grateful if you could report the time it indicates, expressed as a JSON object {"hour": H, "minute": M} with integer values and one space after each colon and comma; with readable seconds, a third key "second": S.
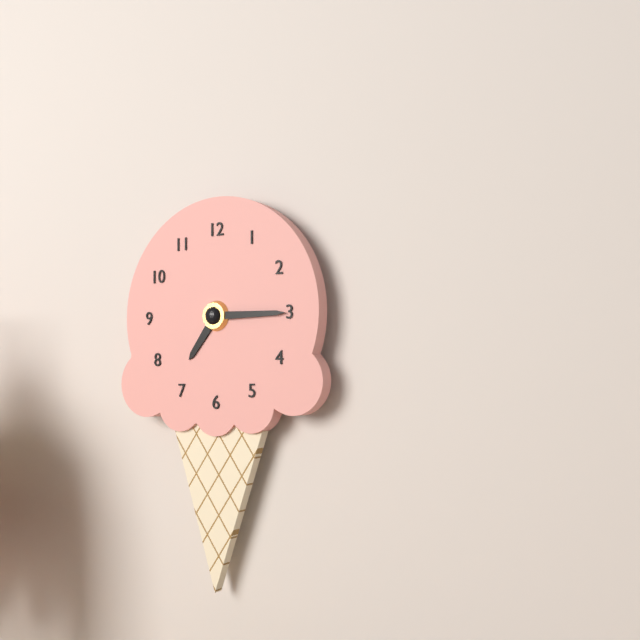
{"hour": 7, "minute": 15}
